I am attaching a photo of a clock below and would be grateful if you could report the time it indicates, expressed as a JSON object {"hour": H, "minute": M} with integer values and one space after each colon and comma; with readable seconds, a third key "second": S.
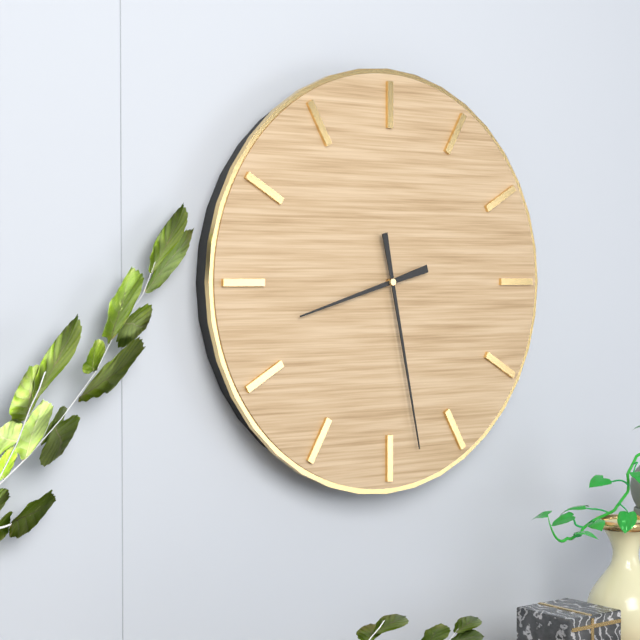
{"hour": 8, "minute": 28}
